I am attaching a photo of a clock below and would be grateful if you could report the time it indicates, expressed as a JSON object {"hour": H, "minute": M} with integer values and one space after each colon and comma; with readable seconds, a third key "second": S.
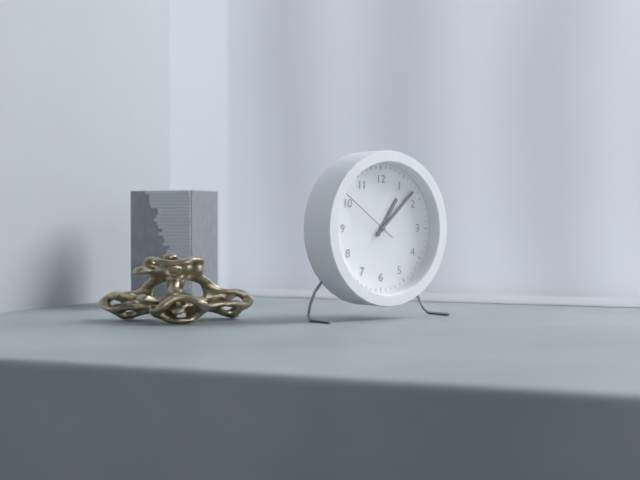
{"hour": 1, "minute": 8, "second": 51}
